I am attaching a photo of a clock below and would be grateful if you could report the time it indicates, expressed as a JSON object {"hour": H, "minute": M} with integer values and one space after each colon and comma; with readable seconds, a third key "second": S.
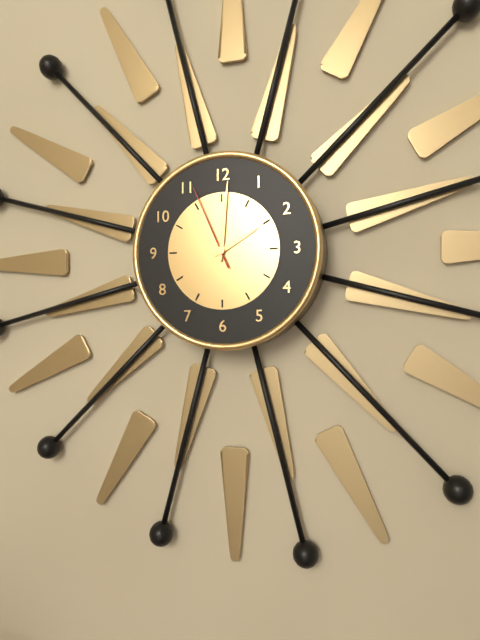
{"hour": 2, "minute": 1, "second": 56}
